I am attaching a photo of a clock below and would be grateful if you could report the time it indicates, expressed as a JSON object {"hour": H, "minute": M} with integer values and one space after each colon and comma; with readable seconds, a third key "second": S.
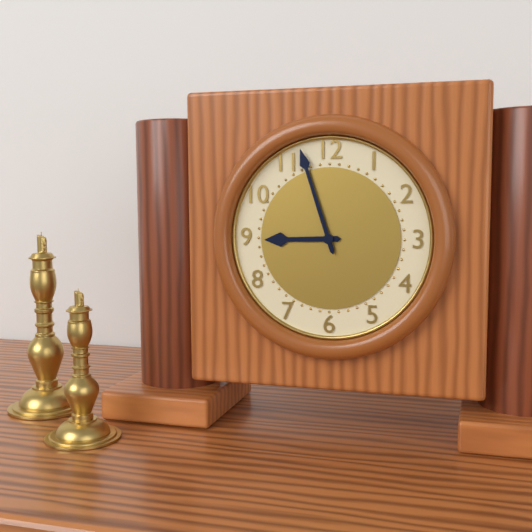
{"hour": 8, "minute": 57}
